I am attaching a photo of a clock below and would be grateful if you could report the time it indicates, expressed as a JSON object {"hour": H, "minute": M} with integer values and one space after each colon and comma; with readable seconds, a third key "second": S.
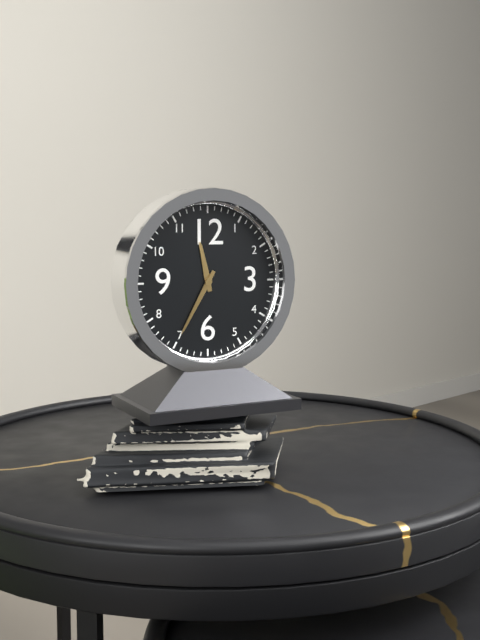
{"hour": 11, "minute": 35}
